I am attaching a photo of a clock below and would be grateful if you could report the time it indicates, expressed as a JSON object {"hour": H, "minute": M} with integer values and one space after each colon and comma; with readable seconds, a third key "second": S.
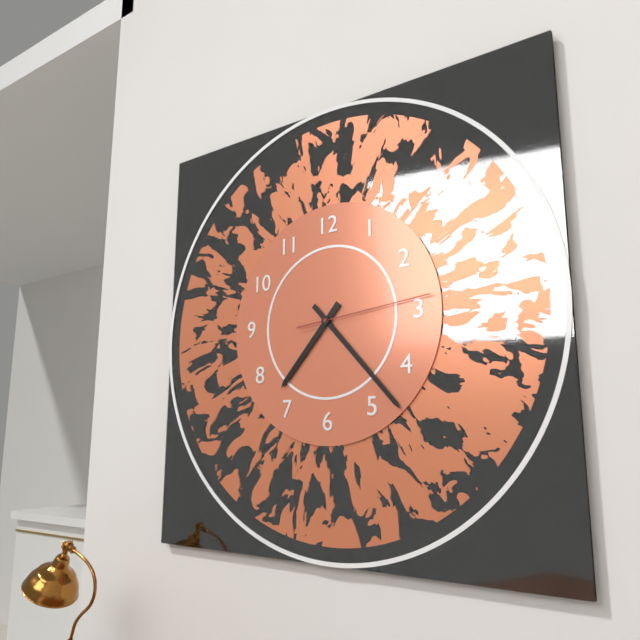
{"hour": 7, "minute": 23, "second": 14}
